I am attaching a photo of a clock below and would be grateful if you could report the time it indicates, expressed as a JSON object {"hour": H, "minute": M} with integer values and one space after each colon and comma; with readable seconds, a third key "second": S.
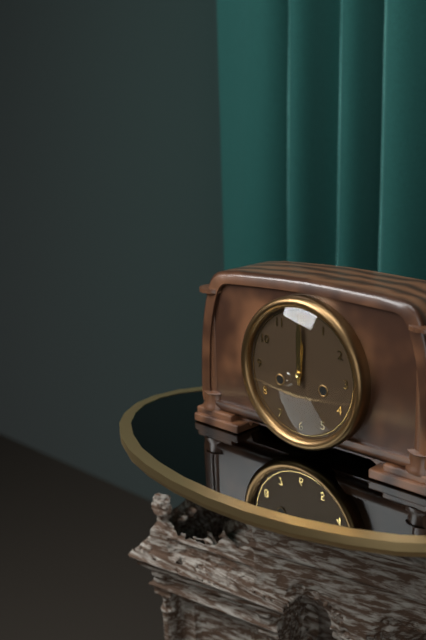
{"hour": 12, "minute": 0}
